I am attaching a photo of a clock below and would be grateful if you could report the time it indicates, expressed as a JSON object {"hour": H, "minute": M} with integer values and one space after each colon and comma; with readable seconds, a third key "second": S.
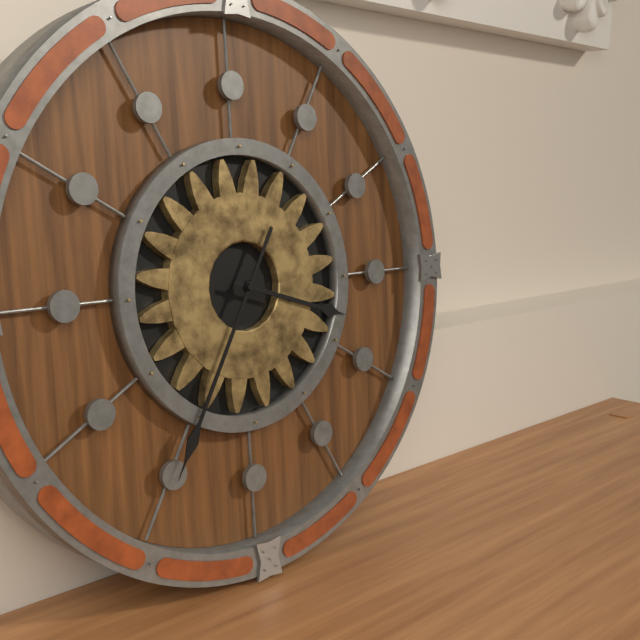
{"hour": 3, "minute": 35}
